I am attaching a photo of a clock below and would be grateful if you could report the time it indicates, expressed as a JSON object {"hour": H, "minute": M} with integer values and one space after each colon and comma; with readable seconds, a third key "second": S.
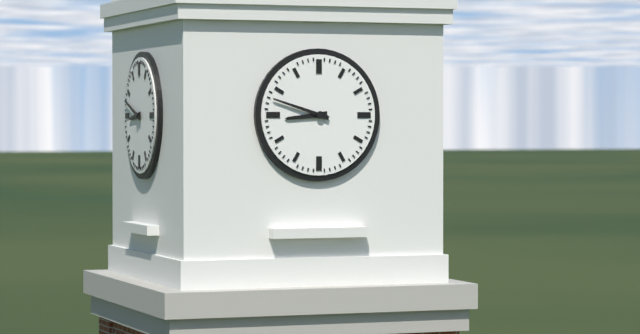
{"hour": 8, "minute": 48}
